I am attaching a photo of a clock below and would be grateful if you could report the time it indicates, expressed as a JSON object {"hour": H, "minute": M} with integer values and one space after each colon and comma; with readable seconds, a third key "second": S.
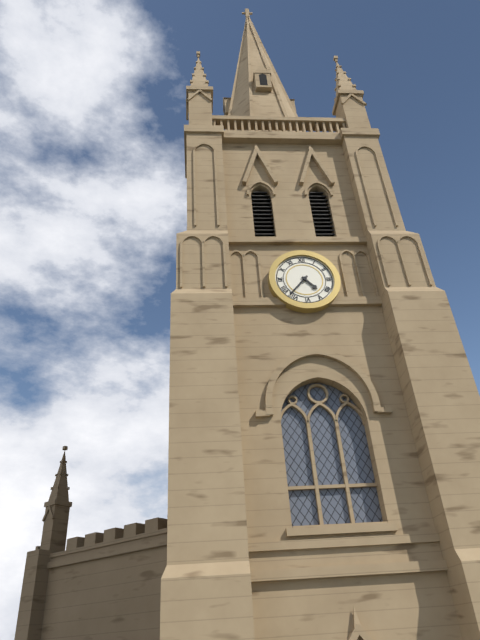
{"hour": 4, "minute": 37}
